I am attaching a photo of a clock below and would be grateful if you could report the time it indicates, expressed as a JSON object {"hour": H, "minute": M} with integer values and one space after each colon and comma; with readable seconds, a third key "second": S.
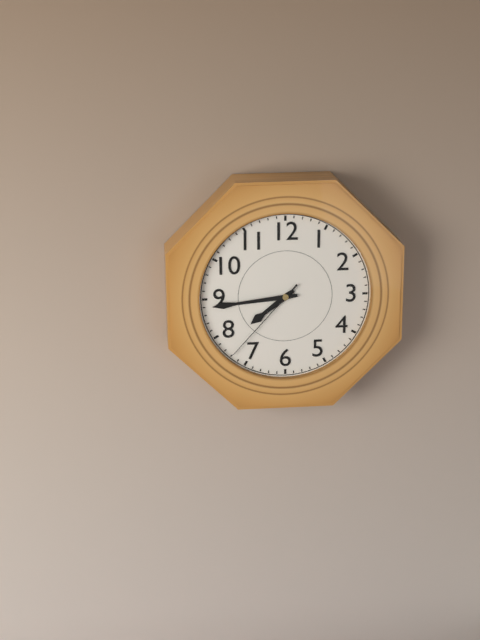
{"hour": 7, "minute": 44, "second": 37}
